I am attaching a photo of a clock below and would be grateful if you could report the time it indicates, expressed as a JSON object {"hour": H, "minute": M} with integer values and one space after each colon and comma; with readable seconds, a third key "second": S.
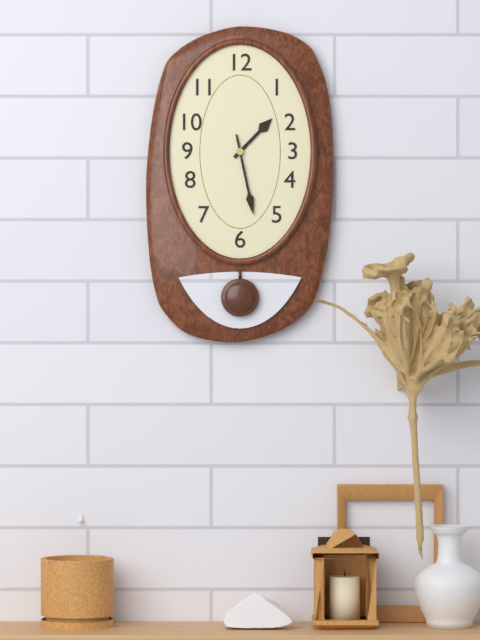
{"hour": 1, "minute": 28}
